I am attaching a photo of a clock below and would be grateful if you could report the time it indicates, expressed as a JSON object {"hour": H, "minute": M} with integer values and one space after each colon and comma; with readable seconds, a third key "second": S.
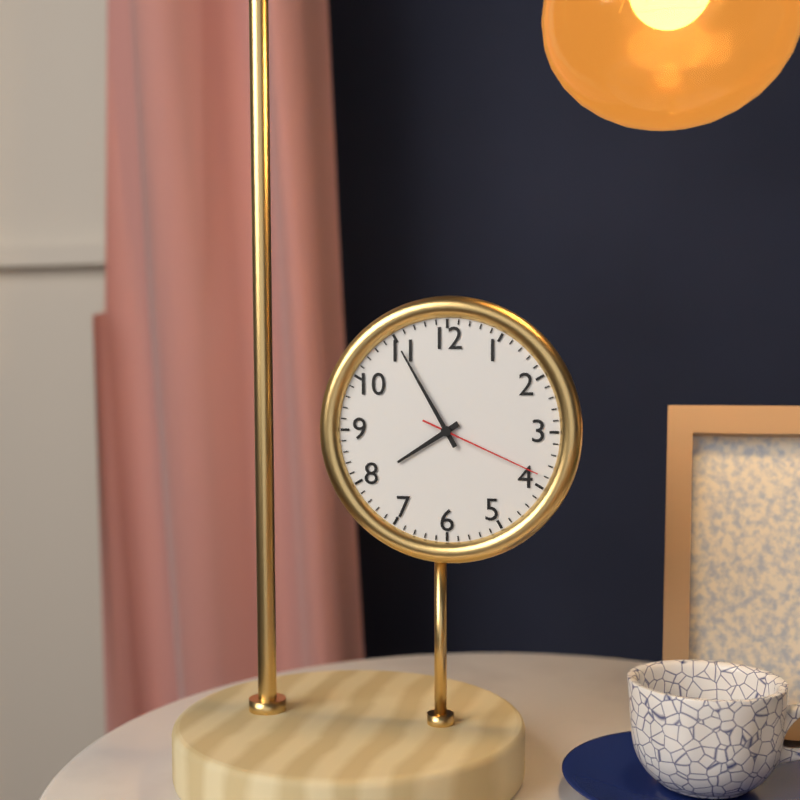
{"hour": 7, "minute": 55, "second": 19}
